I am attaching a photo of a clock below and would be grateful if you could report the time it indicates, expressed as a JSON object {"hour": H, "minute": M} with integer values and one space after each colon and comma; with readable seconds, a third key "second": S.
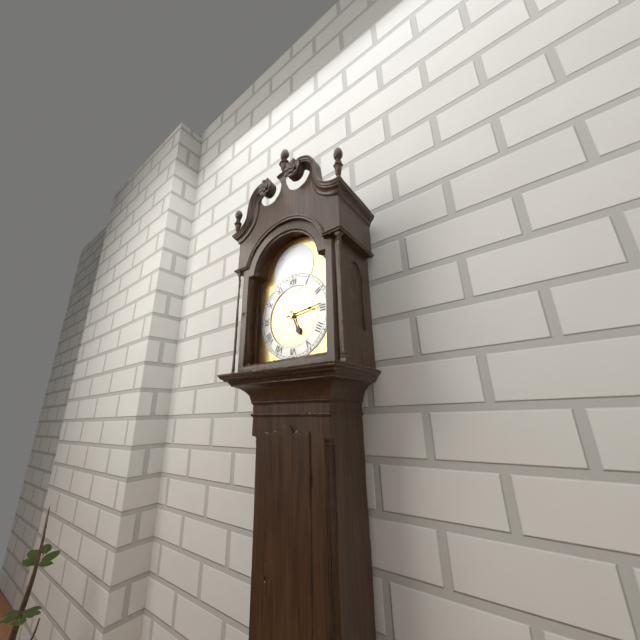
{"hour": 5, "minute": 14}
